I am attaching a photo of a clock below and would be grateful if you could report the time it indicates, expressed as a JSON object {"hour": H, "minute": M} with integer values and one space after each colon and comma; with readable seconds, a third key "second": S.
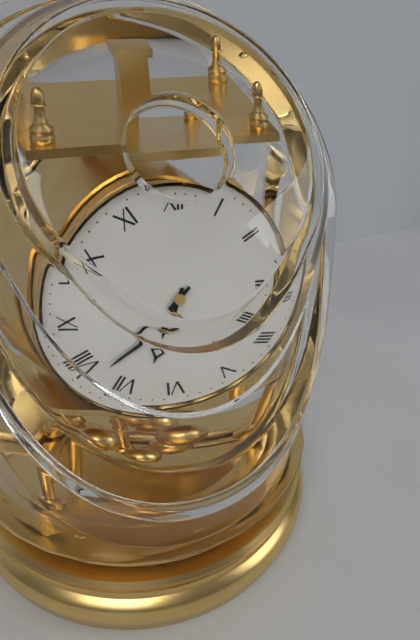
{"hour": 6, "minute": 38}
